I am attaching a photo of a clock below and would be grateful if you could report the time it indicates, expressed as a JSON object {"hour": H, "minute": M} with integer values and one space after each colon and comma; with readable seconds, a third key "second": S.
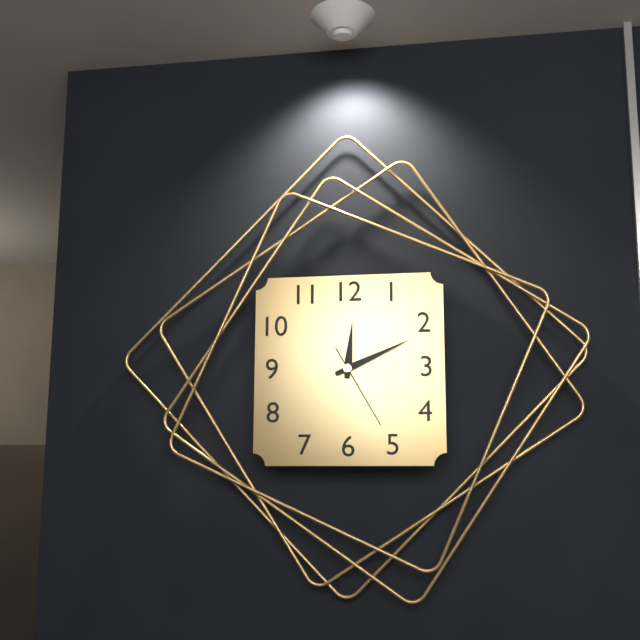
{"hour": 12, "minute": 11, "second": 25}
